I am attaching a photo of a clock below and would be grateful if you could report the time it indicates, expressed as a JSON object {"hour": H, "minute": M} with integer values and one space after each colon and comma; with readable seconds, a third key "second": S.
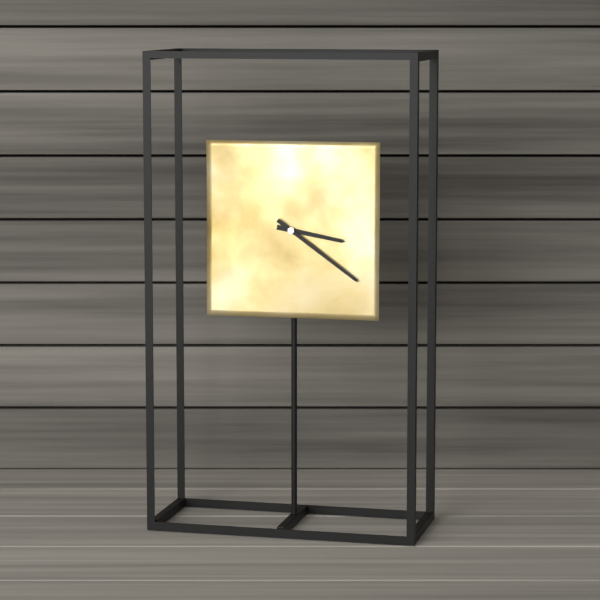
{"hour": 3, "minute": 21}
